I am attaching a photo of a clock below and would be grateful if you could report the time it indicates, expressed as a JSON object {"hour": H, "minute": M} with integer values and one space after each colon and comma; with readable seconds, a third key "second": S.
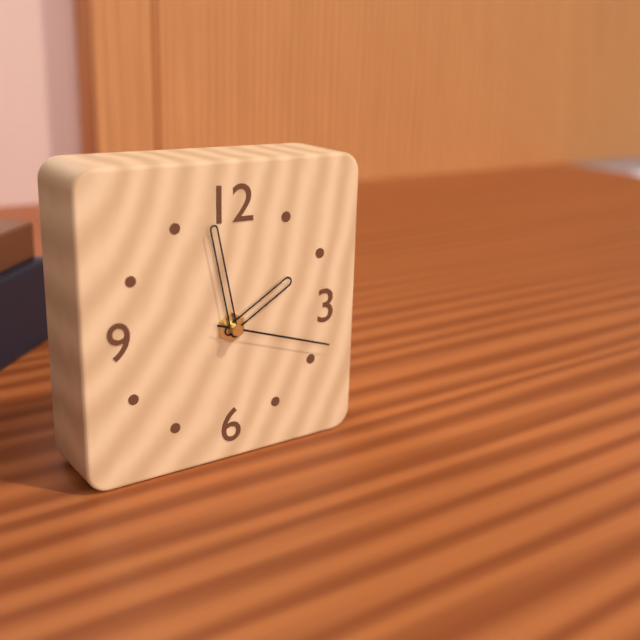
{"hour": 1, "minute": 58, "second": 18}
